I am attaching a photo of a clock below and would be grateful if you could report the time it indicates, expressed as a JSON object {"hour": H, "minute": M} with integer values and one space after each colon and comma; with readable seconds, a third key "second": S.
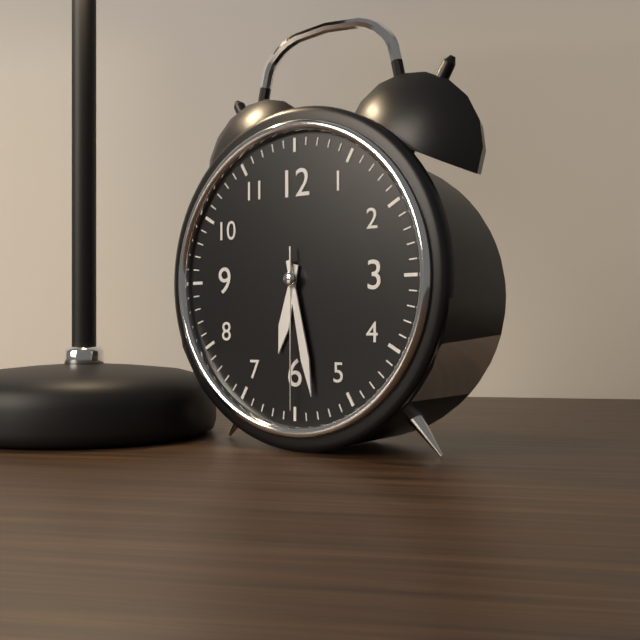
{"hour": 6, "minute": 28, "second": 30}
